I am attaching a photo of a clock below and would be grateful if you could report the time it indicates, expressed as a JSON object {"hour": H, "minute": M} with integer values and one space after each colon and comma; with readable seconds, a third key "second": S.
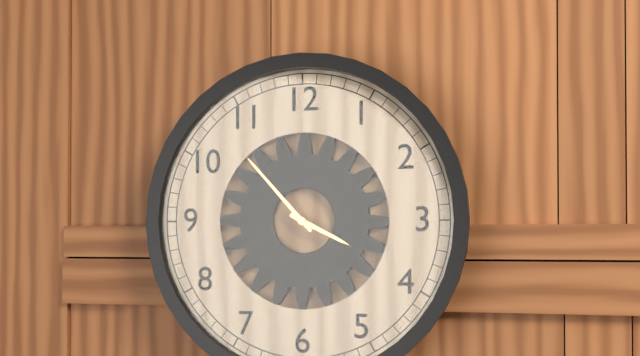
{"hour": 3, "minute": 53}
